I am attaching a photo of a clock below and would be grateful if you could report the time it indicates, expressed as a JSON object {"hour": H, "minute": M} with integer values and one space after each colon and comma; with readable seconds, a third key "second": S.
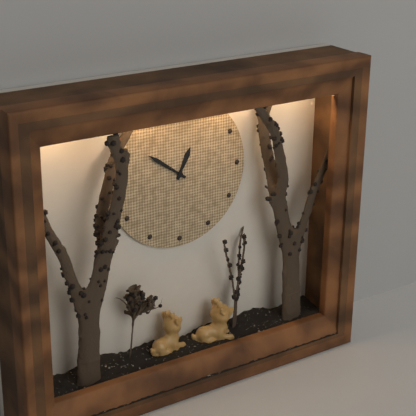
{"hour": 12, "minute": 51}
